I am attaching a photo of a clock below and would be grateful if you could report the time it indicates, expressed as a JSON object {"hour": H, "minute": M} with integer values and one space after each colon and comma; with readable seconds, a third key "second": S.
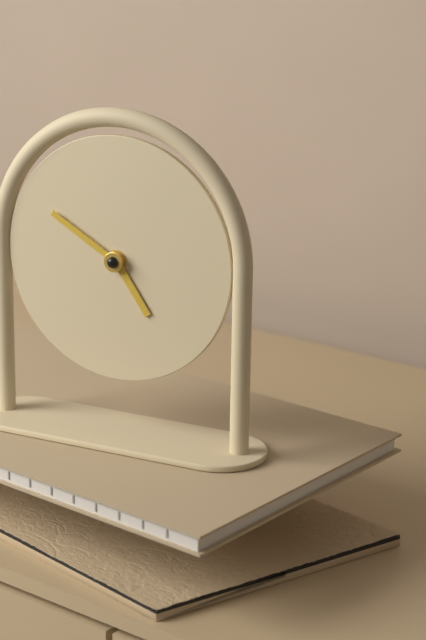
{"hour": 4, "minute": 50}
